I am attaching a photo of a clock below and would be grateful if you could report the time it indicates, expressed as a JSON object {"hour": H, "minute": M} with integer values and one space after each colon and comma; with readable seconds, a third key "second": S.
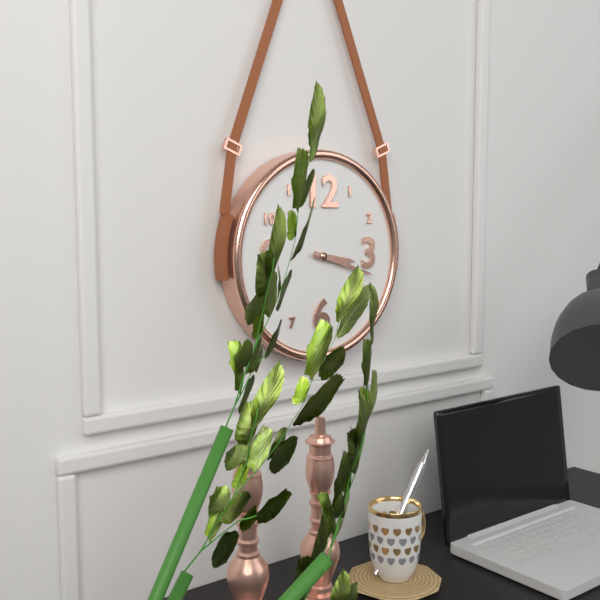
{"hour": 3, "minute": 18}
